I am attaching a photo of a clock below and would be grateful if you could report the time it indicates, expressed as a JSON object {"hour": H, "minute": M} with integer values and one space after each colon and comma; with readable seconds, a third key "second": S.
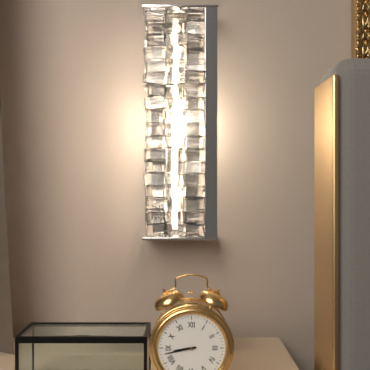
{"hour": 8, "minute": 43}
